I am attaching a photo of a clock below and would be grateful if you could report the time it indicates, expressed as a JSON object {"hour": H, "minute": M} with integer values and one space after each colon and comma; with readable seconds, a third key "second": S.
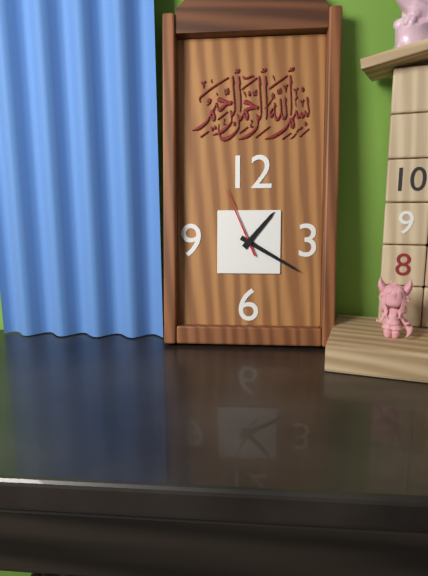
{"hour": 1, "minute": 20, "second": 56}
